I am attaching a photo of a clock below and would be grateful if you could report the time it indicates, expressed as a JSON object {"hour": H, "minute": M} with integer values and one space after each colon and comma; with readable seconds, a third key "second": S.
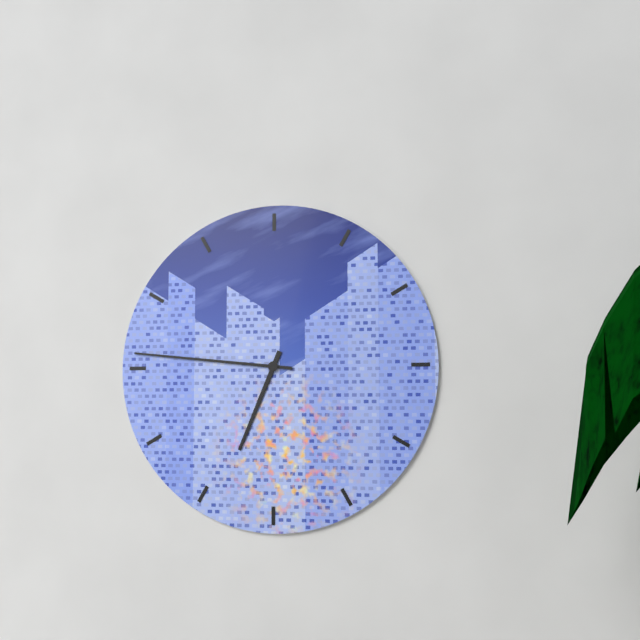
{"hour": 6, "minute": 46}
